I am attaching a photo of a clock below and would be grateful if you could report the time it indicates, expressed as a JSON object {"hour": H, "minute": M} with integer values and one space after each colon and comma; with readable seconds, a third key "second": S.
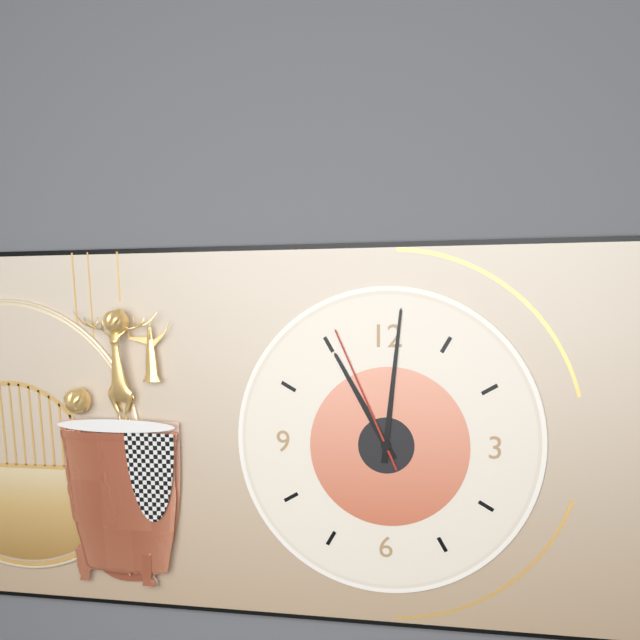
{"hour": 11, "minute": 1, "second": 56}
